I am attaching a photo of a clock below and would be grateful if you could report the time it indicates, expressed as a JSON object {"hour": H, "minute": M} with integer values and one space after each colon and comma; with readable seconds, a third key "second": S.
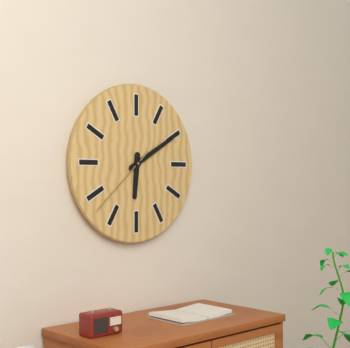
{"hour": 6, "minute": 10, "second": 38}
